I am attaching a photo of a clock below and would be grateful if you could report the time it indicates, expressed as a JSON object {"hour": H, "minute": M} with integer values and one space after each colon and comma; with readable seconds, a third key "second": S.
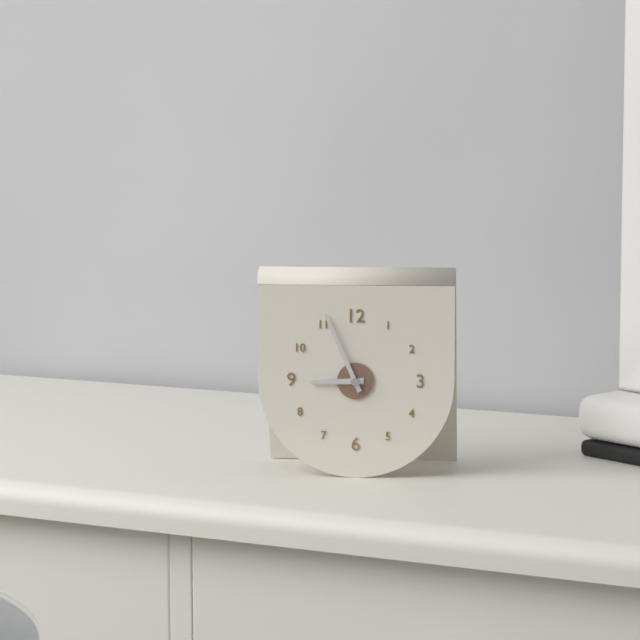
{"hour": 8, "minute": 56}
